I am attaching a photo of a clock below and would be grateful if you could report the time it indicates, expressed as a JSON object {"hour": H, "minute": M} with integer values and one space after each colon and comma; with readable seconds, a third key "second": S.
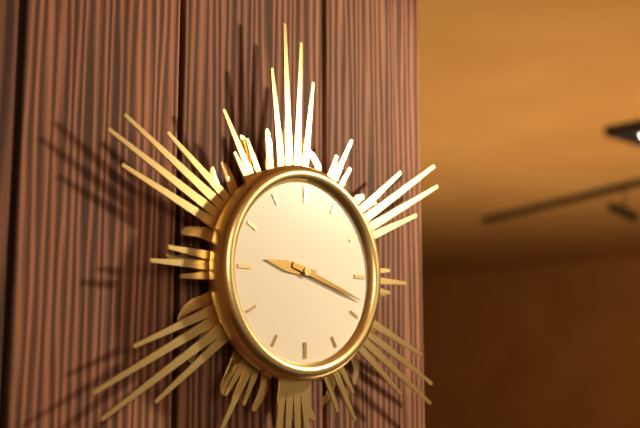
{"hour": 9, "minute": 18}
